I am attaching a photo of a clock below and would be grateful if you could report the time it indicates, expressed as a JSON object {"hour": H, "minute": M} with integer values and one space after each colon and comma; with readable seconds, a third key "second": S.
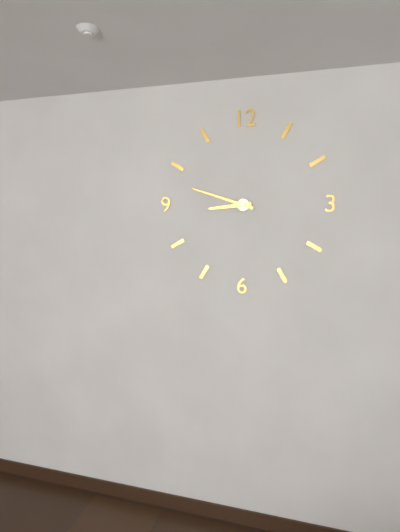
{"hour": 8, "minute": 48}
